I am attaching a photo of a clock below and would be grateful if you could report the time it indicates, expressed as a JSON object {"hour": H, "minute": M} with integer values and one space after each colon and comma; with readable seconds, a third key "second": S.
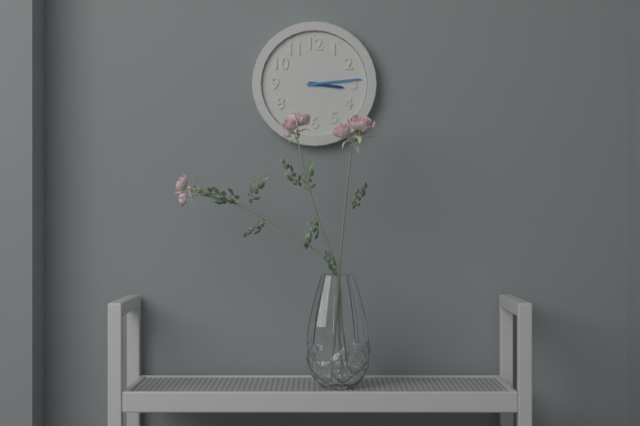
{"hour": 3, "minute": 14}
